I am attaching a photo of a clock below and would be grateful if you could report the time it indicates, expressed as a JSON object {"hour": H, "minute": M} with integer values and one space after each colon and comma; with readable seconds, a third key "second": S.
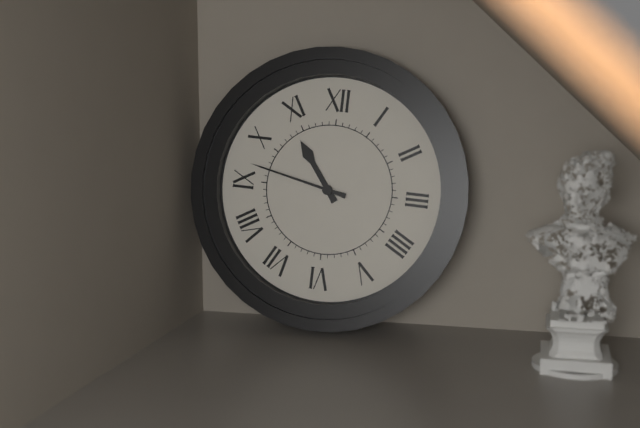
{"hour": 10, "minute": 47}
